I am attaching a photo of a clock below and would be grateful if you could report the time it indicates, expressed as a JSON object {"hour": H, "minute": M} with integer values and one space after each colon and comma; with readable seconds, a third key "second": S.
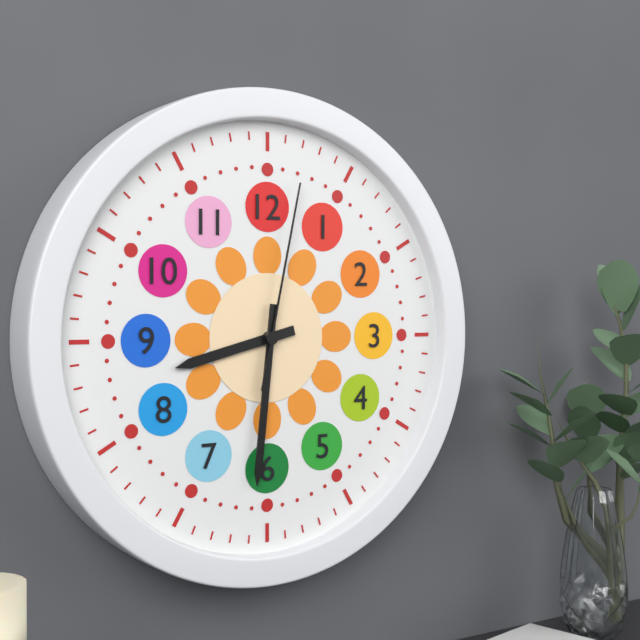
{"hour": 8, "minute": 31, "second": 2}
